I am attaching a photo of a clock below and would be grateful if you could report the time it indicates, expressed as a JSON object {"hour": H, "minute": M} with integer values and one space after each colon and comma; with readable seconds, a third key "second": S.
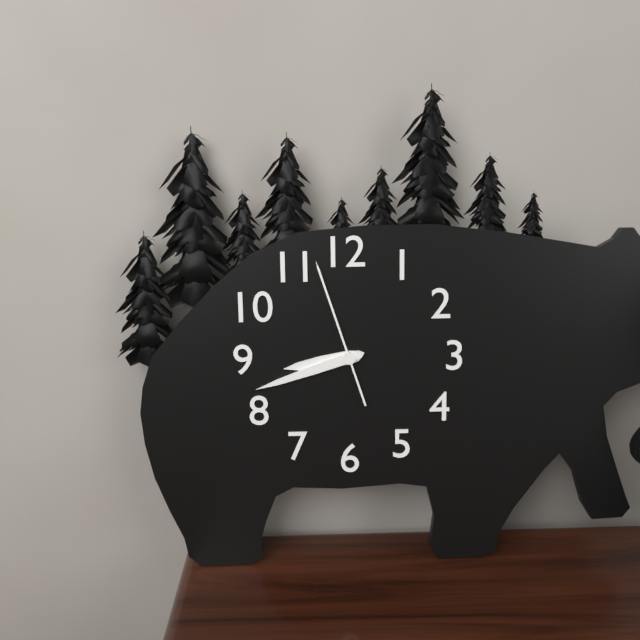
{"hour": 8, "minute": 42, "second": 57}
